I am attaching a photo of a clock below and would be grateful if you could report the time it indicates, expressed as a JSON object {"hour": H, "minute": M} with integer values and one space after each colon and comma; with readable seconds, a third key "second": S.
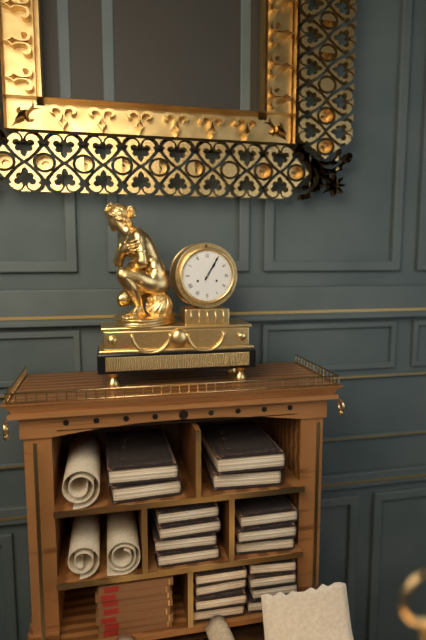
{"hour": 1, "minute": 5}
